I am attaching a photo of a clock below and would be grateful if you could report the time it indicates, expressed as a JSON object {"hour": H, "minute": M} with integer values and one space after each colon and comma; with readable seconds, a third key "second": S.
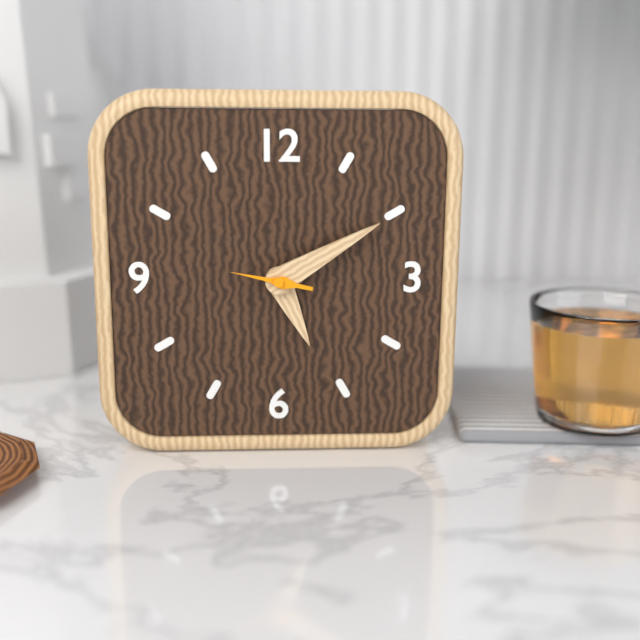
{"hour": 5, "minute": 10, "second": 47}
